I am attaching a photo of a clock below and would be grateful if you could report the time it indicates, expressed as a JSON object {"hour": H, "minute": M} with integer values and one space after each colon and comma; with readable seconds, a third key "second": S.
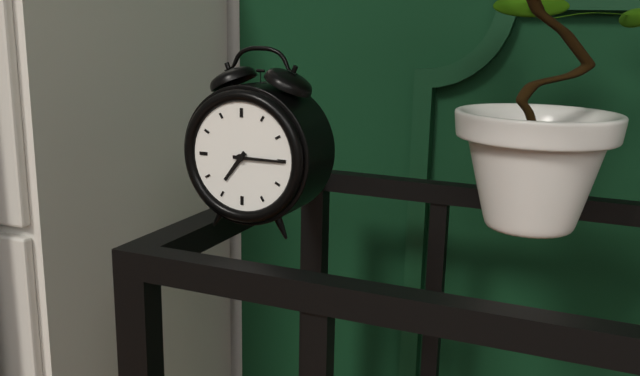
{"hour": 7, "minute": 15}
